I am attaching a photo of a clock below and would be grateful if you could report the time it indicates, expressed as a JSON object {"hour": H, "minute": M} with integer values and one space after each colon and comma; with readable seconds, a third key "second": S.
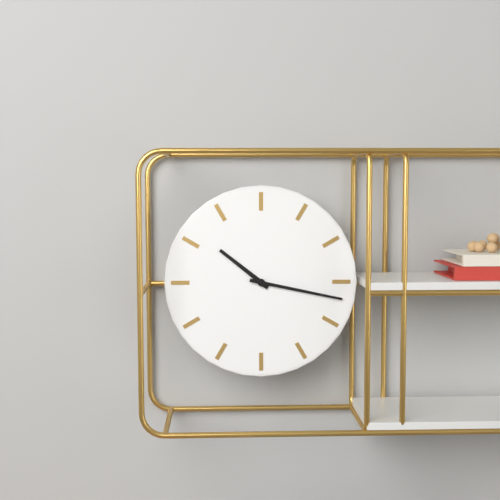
{"hour": 10, "minute": 17}
